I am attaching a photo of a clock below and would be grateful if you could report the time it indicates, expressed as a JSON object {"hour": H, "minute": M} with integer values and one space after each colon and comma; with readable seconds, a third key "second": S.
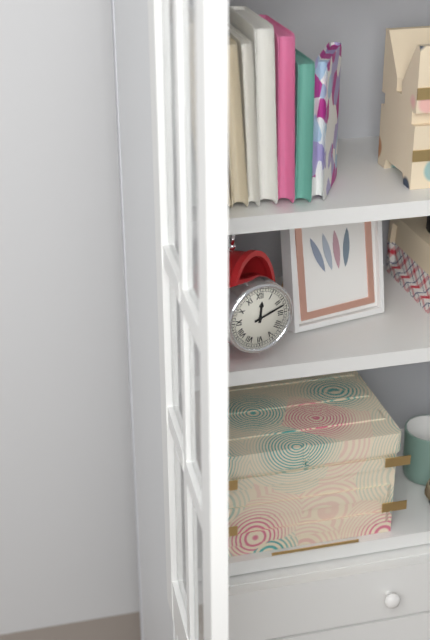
{"hour": 12, "minute": 12}
